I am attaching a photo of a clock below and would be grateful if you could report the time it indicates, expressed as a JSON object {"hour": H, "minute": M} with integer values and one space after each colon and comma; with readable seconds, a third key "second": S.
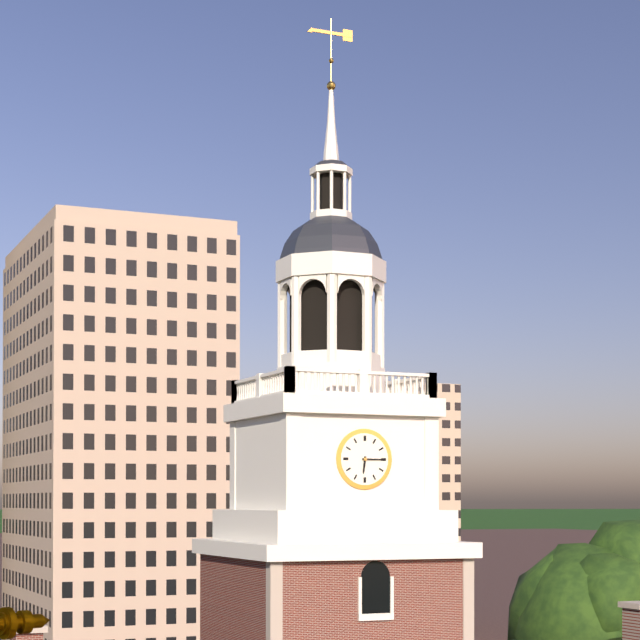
{"hour": 6, "minute": 15}
